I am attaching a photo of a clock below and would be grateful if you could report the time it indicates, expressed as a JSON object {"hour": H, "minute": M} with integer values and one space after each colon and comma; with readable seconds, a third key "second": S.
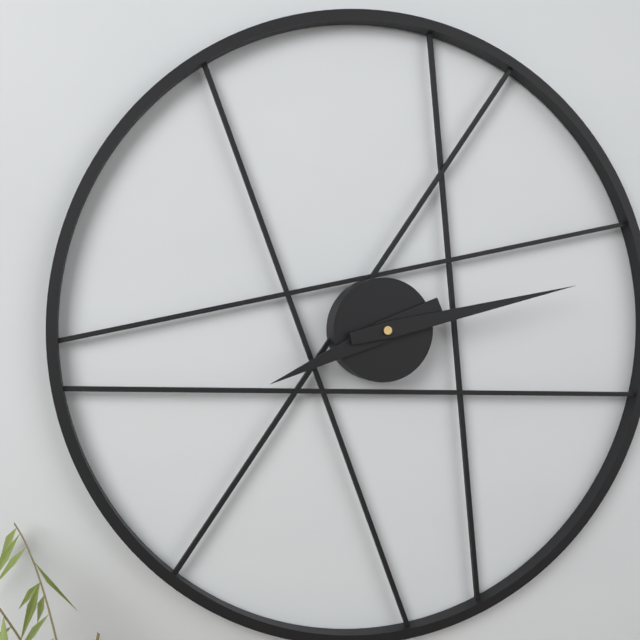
{"hour": 8, "minute": 13}
